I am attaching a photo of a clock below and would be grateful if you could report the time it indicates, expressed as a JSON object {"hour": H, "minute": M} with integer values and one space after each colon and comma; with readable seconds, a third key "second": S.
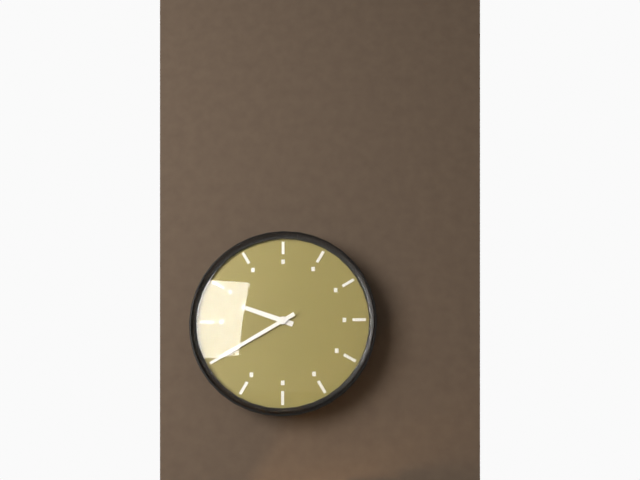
{"hour": 9, "minute": 40}
